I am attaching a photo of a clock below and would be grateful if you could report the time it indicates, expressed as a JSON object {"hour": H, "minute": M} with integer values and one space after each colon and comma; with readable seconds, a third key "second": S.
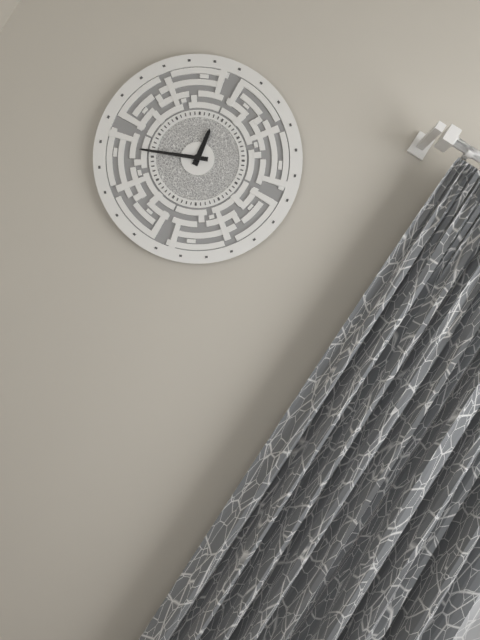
{"hour": 11, "minute": 41}
